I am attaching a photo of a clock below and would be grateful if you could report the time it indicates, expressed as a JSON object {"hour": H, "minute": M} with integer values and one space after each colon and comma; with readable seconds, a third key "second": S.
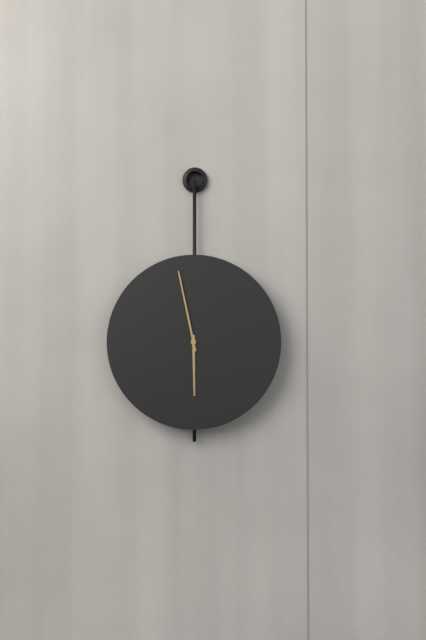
{"hour": 5, "minute": 58}
